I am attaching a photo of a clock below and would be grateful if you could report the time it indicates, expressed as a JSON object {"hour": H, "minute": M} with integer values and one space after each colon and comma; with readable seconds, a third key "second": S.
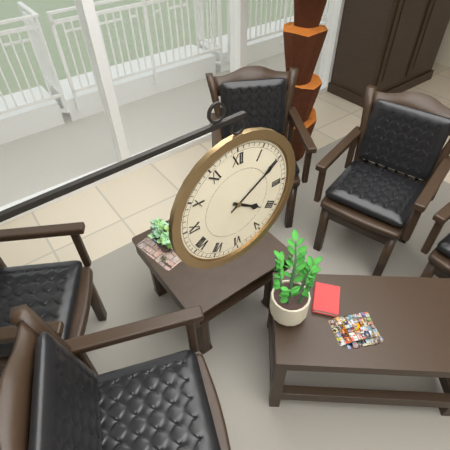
{"hour": 4, "minute": 10}
